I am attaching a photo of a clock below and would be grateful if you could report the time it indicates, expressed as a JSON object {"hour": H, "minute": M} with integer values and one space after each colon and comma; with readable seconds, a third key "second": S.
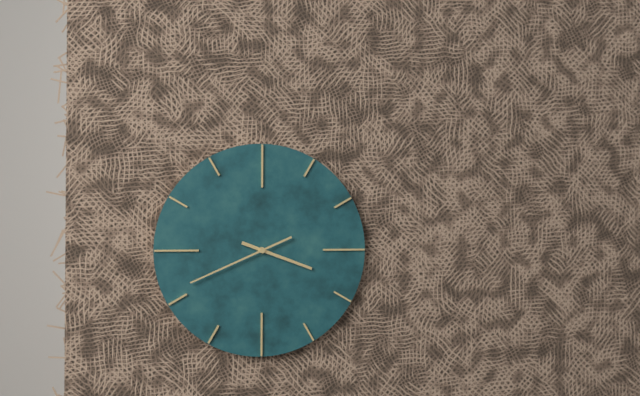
{"hour": 3, "minute": 41}
